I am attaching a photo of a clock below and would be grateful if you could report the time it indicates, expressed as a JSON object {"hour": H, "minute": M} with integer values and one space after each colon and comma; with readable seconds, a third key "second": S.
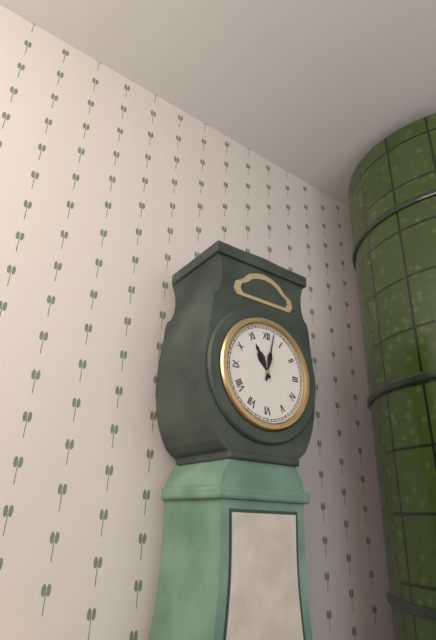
{"hour": 11, "minute": 2}
